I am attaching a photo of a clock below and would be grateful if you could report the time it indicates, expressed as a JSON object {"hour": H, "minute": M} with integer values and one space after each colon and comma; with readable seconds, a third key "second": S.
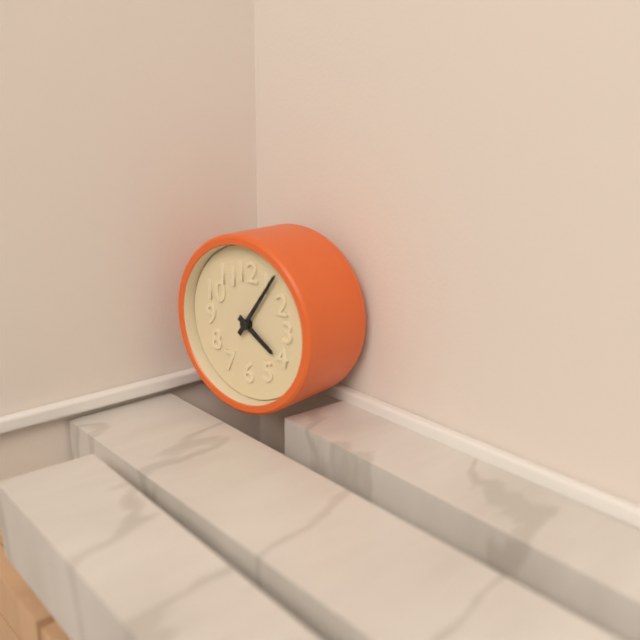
{"hour": 4, "minute": 6}
